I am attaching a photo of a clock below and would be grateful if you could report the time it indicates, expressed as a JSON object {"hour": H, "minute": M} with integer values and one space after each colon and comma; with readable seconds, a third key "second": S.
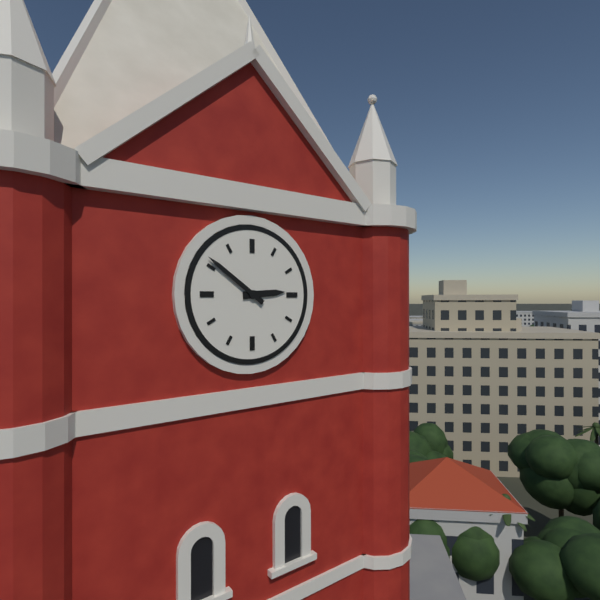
{"hour": 2, "minute": 51}
